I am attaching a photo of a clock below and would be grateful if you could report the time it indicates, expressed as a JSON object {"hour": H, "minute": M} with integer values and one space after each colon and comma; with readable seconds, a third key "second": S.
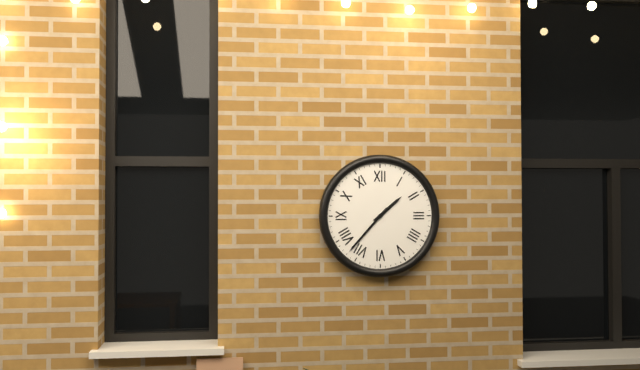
{"hour": 1, "minute": 37}
